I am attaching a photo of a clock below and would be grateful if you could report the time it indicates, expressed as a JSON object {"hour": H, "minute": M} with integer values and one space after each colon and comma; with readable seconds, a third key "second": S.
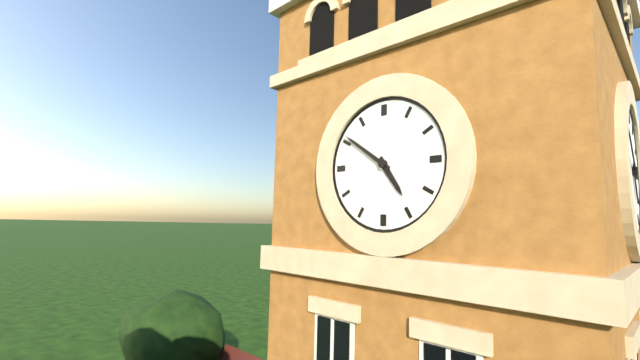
{"hour": 4, "minute": 51}
